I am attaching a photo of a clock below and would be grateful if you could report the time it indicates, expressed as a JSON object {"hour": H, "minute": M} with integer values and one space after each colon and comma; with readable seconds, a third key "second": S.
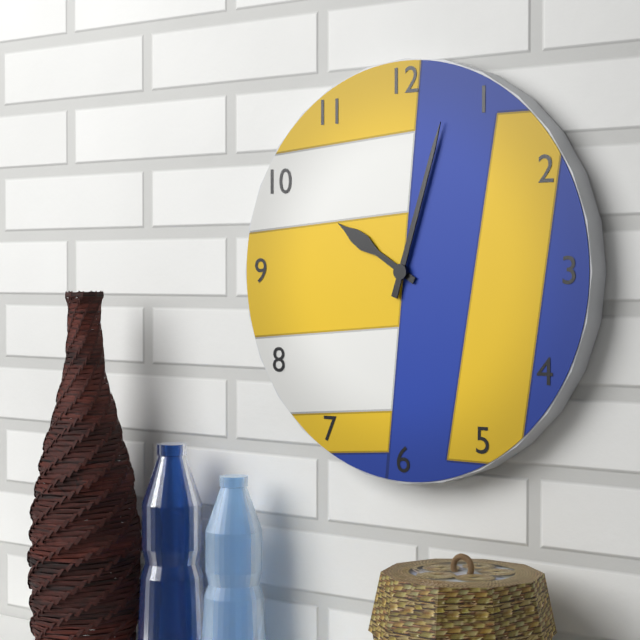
{"hour": 10, "minute": 3}
